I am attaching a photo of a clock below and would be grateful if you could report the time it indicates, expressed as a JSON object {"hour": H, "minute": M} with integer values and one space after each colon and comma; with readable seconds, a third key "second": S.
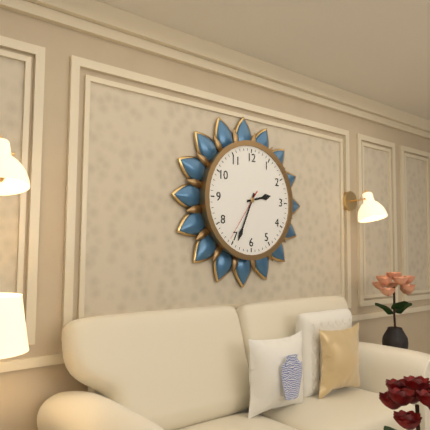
{"hour": 2, "minute": 34, "second": 36}
